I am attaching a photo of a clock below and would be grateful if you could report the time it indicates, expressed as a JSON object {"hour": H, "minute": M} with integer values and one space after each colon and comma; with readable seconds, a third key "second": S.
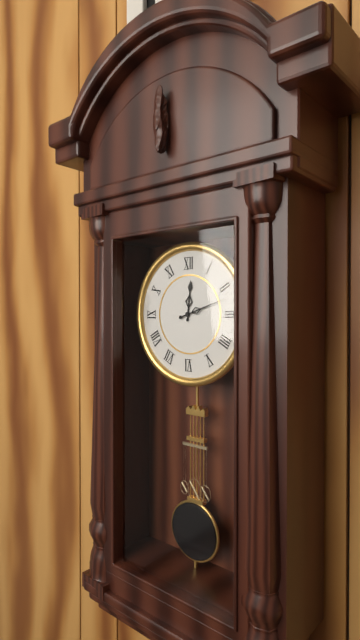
{"hour": 12, "minute": 12}
